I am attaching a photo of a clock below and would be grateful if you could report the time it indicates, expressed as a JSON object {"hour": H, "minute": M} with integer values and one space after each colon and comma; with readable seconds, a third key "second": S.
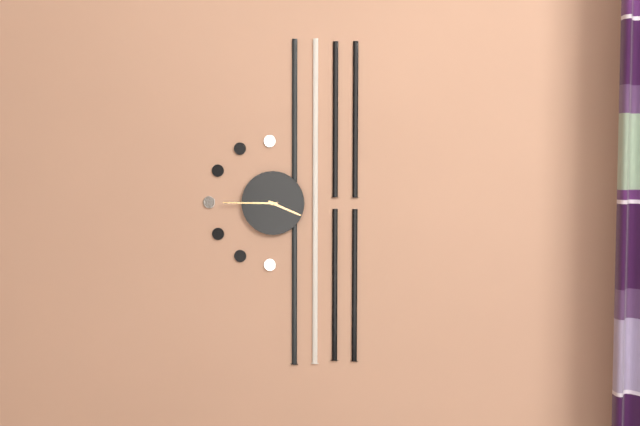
{"hour": 3, "minute": 45}
